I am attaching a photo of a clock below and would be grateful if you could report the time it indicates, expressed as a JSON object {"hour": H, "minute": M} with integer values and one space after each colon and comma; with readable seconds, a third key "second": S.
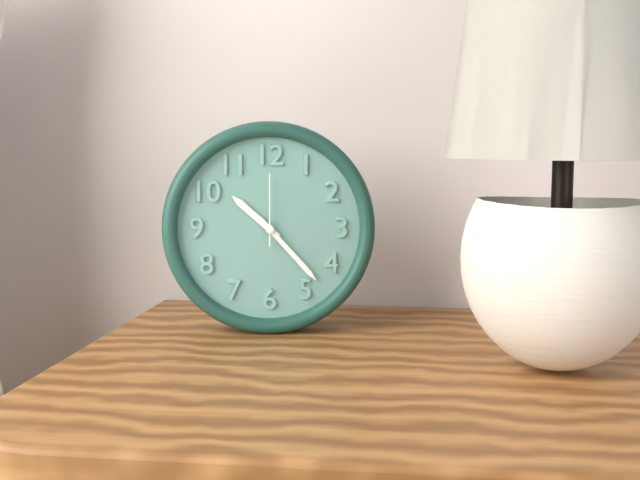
{"hour": 10, "minute": 23, "second": 0}
